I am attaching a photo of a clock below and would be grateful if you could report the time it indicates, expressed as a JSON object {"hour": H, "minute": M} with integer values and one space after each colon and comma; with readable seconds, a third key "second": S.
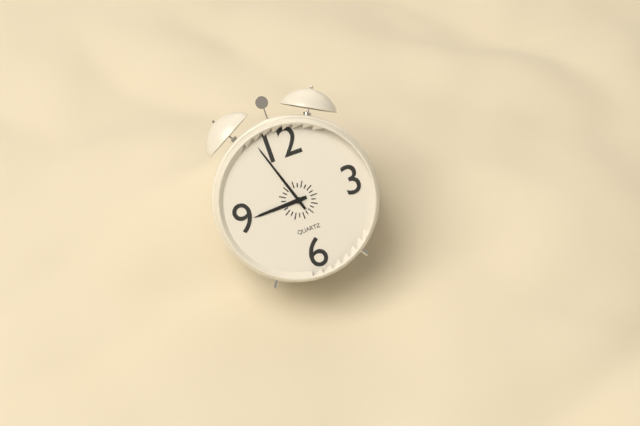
{"hour": 8, "minute": 57}
